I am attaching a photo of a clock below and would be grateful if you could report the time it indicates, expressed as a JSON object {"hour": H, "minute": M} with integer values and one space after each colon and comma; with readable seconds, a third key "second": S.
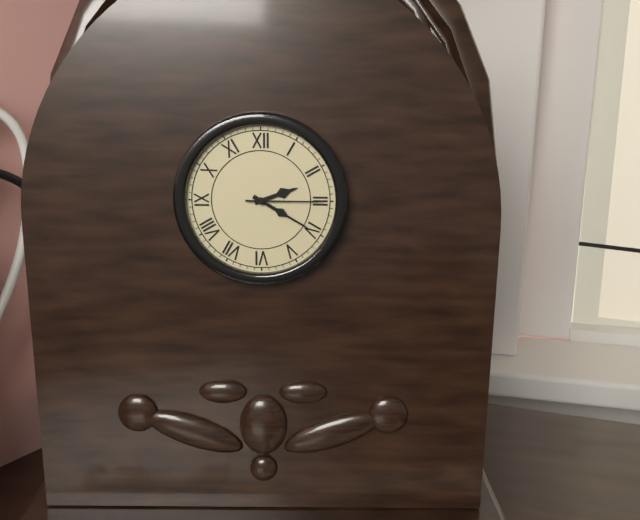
{"hour": 2, "minute": 20, "second": 15}
